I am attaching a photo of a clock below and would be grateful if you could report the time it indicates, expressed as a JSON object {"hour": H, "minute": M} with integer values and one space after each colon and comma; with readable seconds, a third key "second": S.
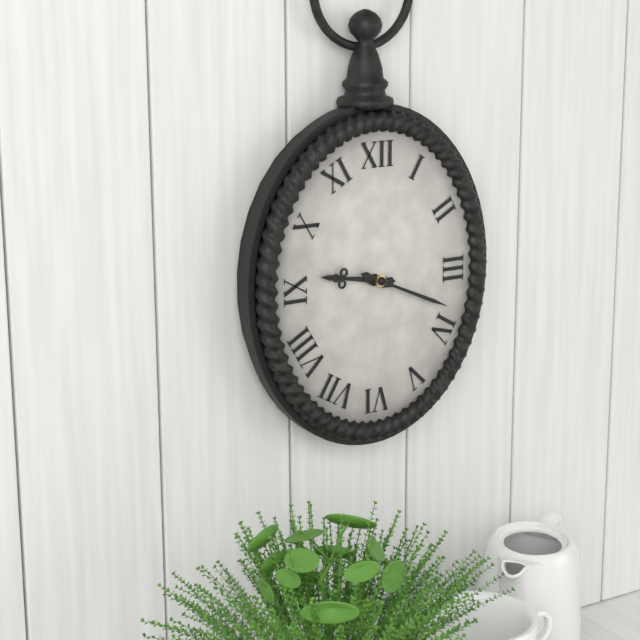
{"hour": 9, "minute": 19}
